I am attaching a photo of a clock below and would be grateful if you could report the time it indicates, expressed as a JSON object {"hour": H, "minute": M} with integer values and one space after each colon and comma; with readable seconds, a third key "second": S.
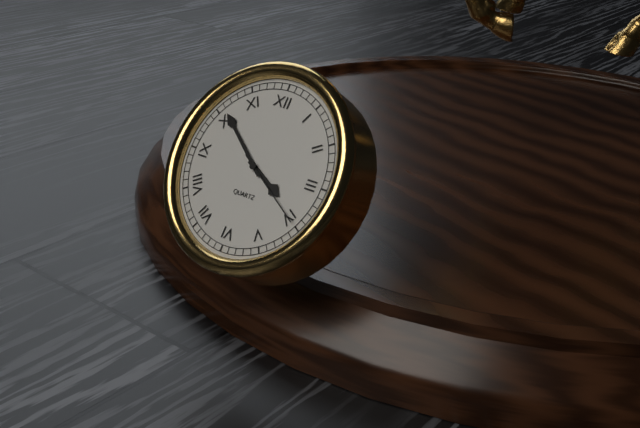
{"hour": 3, "minute": 51, "second": 20}
